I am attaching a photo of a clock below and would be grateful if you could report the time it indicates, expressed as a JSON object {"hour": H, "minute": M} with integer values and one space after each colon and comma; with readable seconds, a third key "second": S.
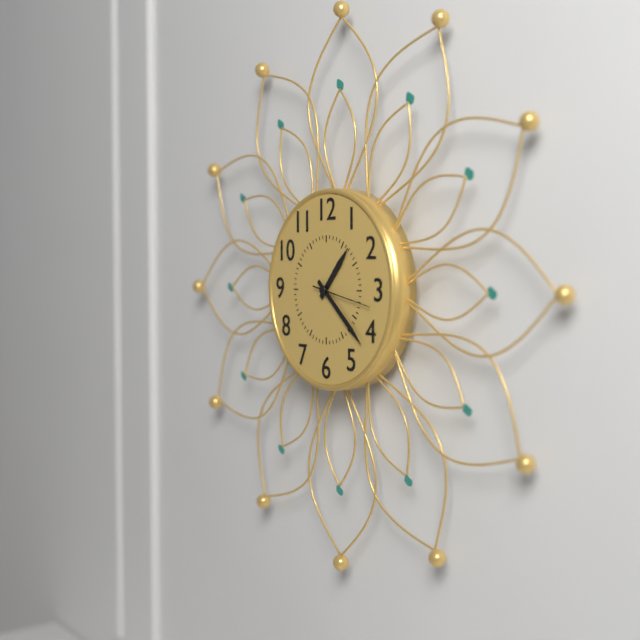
{"hour": 1, "minute": 22, "second": 17}
